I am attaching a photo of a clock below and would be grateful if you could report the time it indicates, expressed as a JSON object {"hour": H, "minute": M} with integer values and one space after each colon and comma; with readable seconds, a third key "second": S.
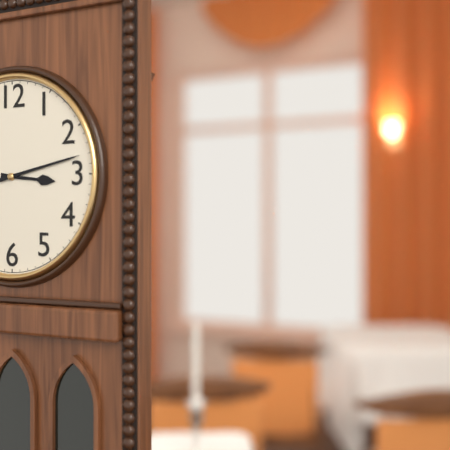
{"hour": 3, "minute": 13}
